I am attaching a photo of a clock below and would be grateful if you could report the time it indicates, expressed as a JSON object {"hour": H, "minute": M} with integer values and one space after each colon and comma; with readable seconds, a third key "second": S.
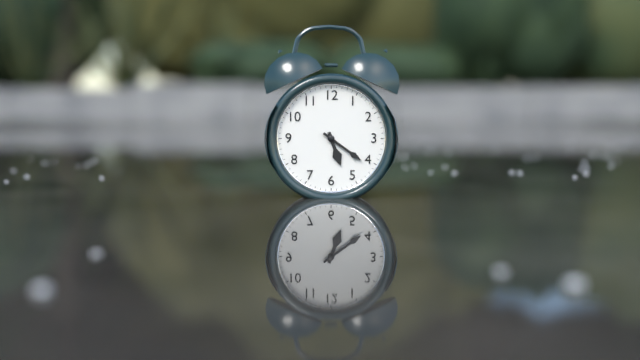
{"hour": 5, "minute": 21}
